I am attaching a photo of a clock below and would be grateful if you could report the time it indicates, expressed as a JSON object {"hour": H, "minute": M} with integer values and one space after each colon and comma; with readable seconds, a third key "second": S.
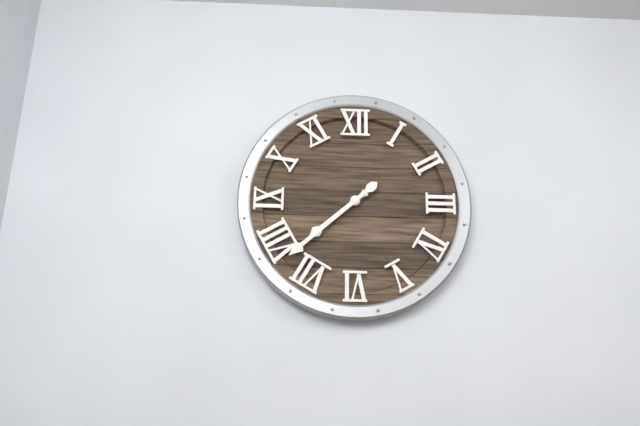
{"hour": 7, "minute": 38}
